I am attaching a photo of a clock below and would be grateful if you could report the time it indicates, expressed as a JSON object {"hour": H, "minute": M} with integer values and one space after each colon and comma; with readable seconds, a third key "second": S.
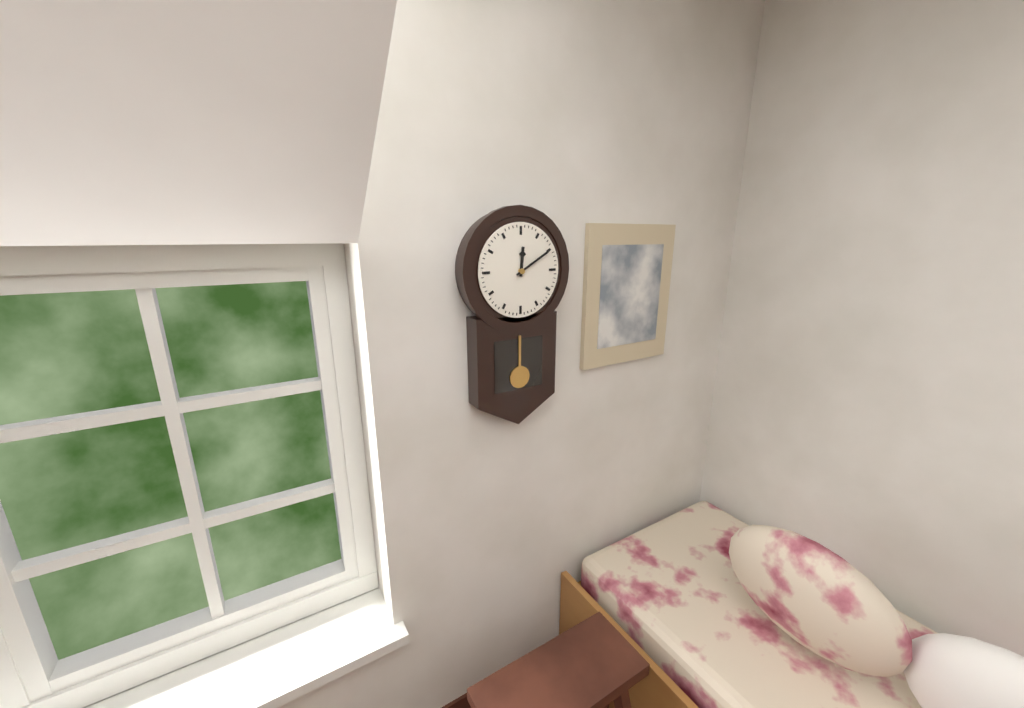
{"hour": 12, "minute": 10}
